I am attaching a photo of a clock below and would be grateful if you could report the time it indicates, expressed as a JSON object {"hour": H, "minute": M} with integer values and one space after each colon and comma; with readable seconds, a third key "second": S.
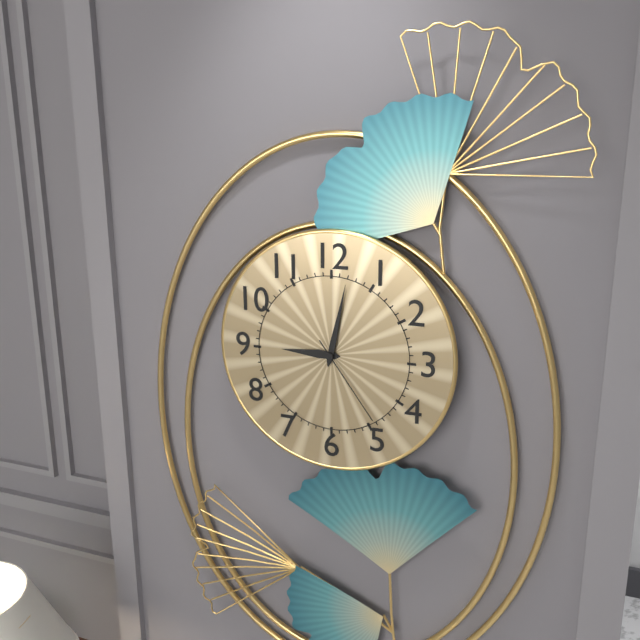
{"hour": 9, "minute": 2, "second": 24}
